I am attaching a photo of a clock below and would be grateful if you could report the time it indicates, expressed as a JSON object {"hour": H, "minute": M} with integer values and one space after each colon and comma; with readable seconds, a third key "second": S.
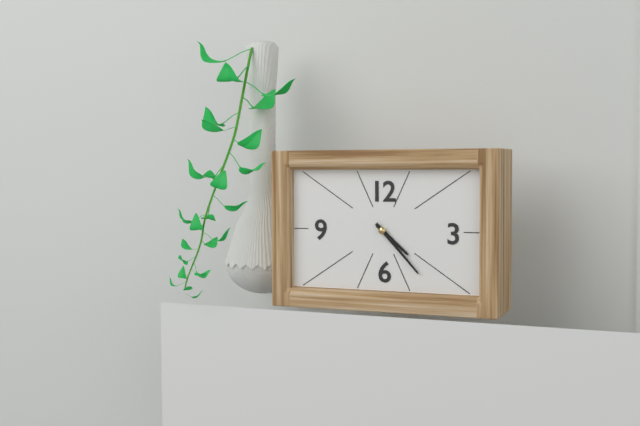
{"hour": 4, "minute": 23}
